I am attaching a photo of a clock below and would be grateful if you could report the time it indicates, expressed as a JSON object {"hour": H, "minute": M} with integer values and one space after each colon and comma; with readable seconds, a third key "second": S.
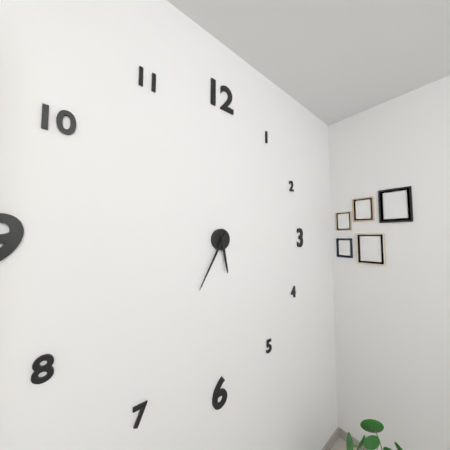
{"hour": 5, "minute": 35}
